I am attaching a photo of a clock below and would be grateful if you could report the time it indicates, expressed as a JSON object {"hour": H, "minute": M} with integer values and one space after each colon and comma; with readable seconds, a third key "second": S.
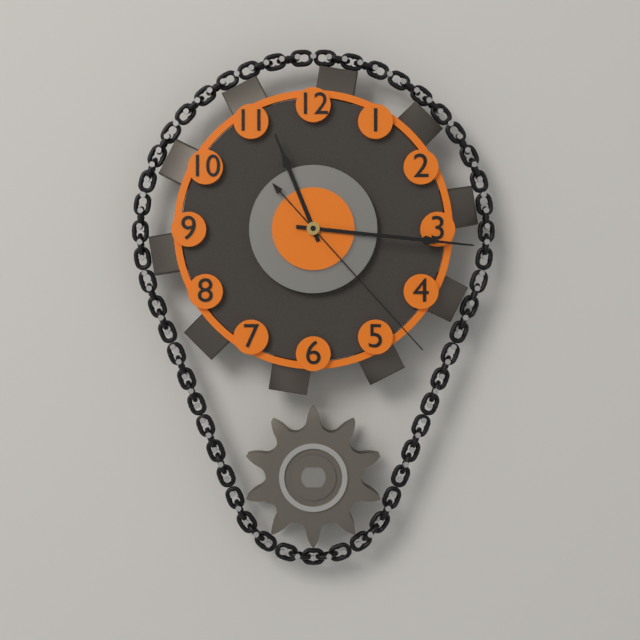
{"hour": 11, "minute": 16, "second": 23}
